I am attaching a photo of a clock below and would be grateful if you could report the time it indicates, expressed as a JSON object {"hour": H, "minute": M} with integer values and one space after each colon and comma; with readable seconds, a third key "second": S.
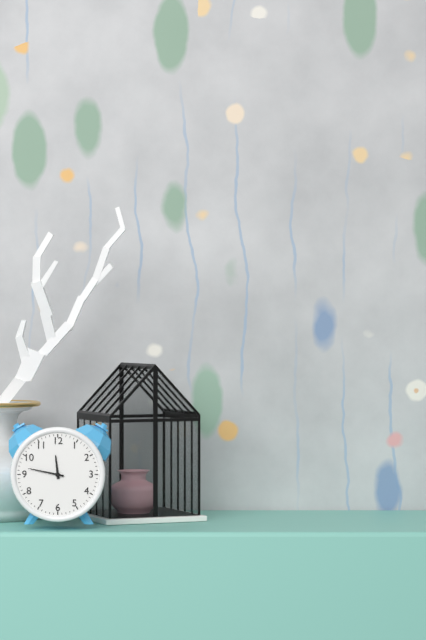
{"hour": 11, "minute": 47}
